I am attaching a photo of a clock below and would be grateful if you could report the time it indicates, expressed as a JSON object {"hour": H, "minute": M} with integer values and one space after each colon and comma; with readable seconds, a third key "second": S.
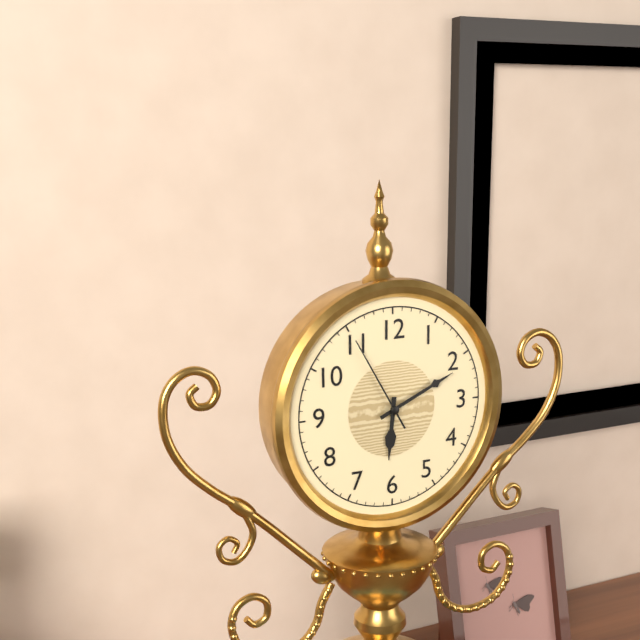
{"hour": 6, "minute": 11, "second": 55}
